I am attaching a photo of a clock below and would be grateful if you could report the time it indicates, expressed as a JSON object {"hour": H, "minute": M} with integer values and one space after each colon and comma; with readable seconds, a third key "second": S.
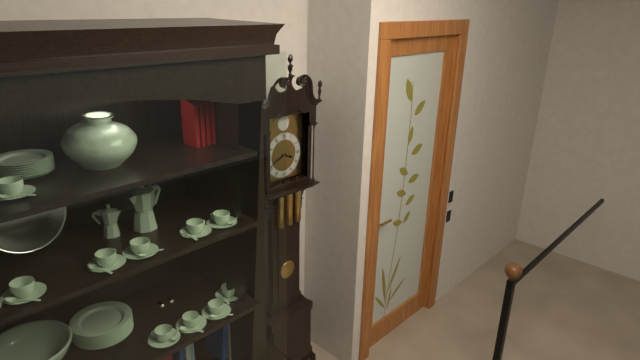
{"hour": 3, "minute": 41}
